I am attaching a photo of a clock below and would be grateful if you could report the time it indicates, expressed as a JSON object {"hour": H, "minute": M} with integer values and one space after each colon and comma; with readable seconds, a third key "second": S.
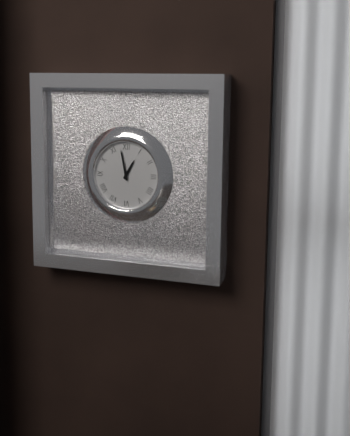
{"hour": 12, "minute": 58}
